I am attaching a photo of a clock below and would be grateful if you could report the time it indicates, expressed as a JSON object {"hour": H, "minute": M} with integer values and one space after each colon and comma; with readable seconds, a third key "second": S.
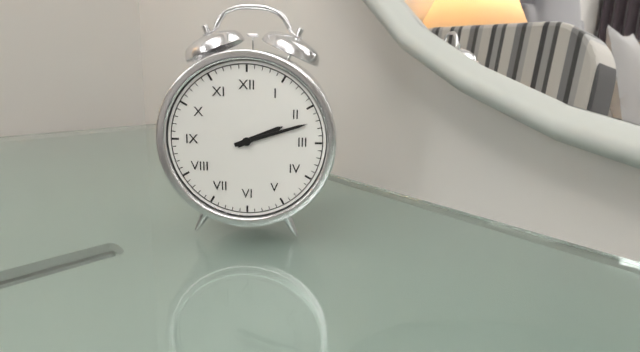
{"hour": 2, "minute": 12}
